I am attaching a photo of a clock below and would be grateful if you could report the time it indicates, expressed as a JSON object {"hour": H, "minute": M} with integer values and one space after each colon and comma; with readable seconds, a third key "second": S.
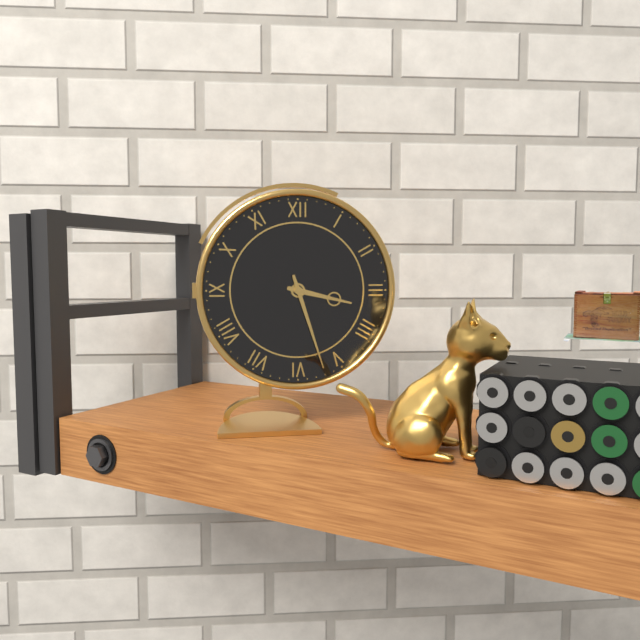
{"hour": 3, "minute": 27}
